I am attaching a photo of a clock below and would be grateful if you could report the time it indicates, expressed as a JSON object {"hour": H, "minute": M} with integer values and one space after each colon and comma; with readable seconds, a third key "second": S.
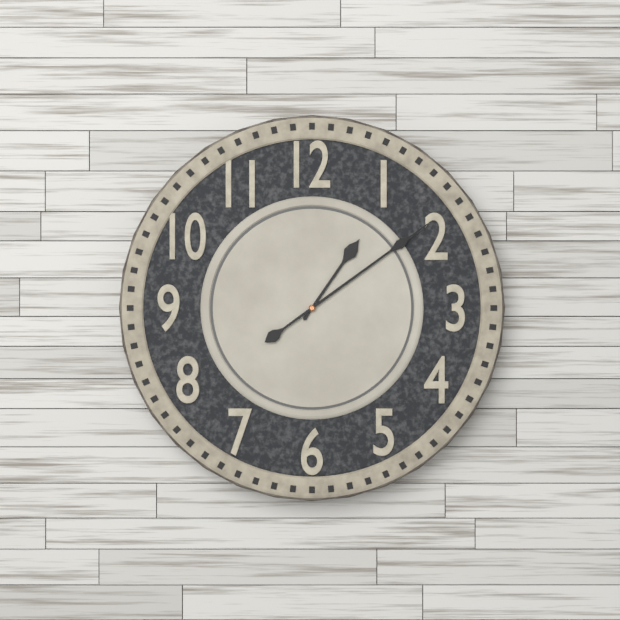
{"hour": 1, "minute": 9}
